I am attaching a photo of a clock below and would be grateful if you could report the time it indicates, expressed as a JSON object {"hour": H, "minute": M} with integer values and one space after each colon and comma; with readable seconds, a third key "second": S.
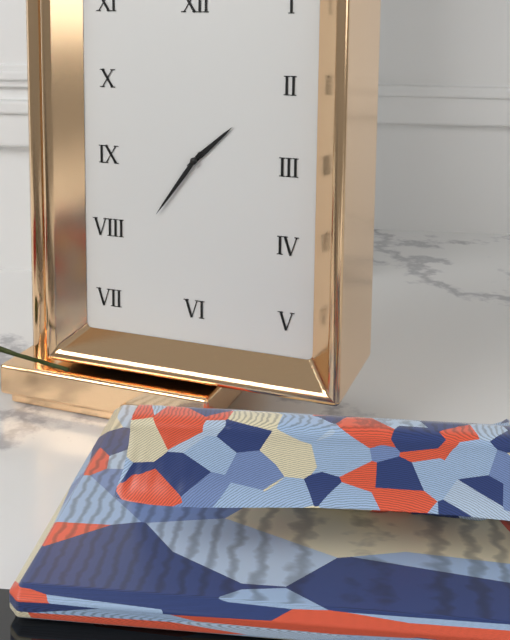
{"hour": 1, "minute": 36}
